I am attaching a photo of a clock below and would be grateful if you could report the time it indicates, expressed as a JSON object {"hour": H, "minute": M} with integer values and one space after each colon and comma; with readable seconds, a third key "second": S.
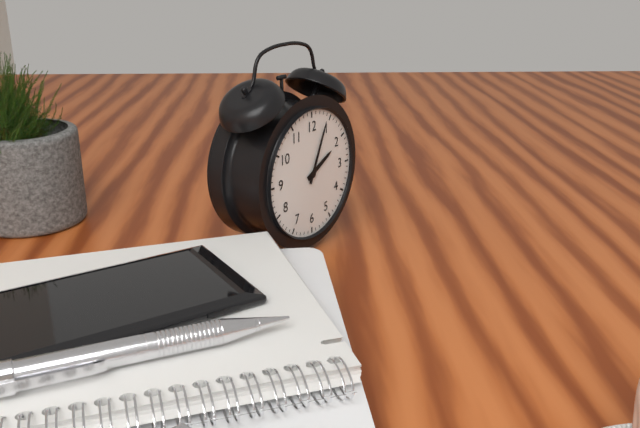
{"hour": 2, "minute": 4}
